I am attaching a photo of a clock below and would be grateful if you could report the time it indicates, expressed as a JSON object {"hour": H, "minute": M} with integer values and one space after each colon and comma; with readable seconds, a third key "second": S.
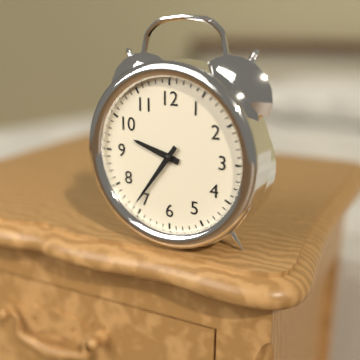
{"hour": 9, "minute": 36}
